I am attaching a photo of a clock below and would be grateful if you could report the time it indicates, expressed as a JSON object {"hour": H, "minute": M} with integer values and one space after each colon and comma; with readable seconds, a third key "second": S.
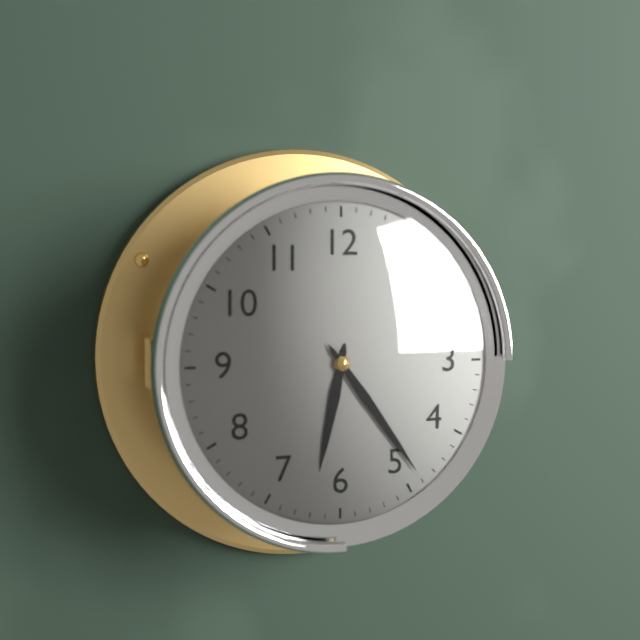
{"hour": 6, "minute": 24}
